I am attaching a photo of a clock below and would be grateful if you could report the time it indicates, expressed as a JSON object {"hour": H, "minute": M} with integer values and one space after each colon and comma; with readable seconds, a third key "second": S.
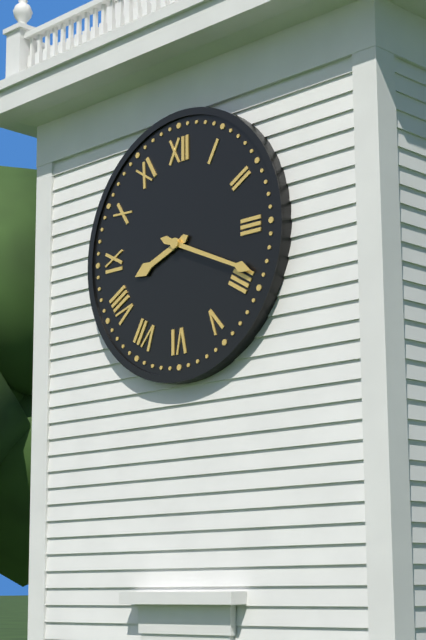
{"hour": 8, "minute": 19}
